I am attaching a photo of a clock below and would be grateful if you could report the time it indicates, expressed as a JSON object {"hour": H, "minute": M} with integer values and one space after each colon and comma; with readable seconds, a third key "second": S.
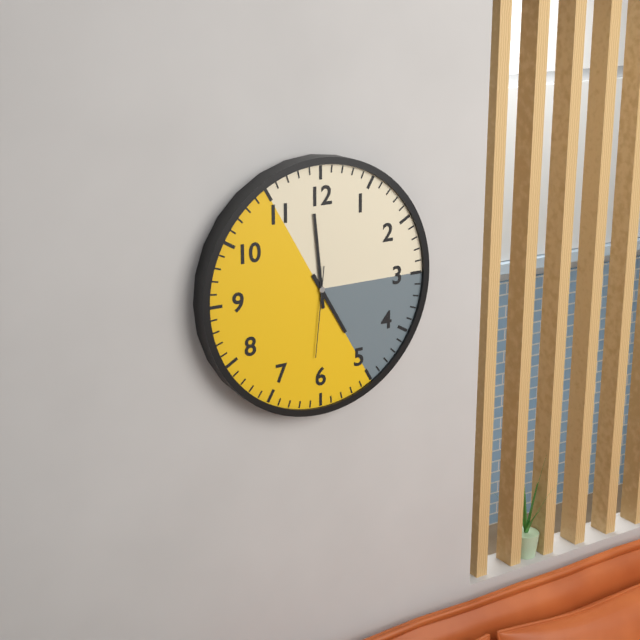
{"hour": 4, "minute": 59, "second": 31}
